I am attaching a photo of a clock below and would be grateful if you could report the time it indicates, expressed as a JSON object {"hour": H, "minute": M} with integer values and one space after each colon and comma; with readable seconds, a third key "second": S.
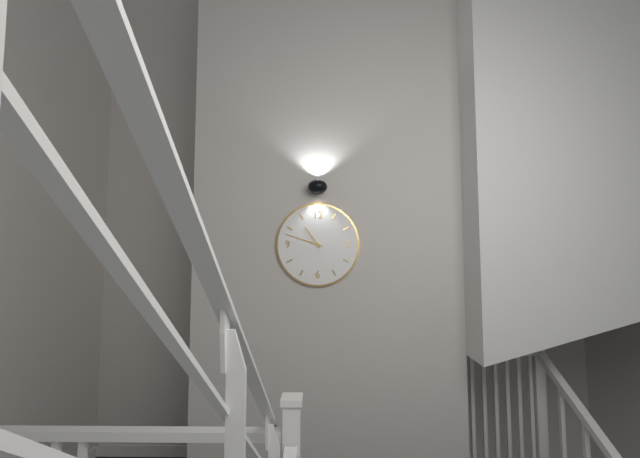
{"hour": 10, "minute": 48}
